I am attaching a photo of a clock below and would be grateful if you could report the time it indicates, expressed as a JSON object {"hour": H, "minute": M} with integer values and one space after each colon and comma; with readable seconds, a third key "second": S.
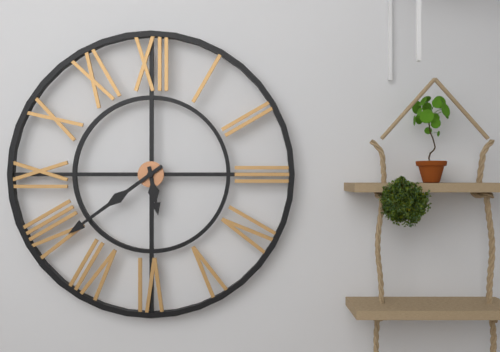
{"hour": 5, "minute": 39}
